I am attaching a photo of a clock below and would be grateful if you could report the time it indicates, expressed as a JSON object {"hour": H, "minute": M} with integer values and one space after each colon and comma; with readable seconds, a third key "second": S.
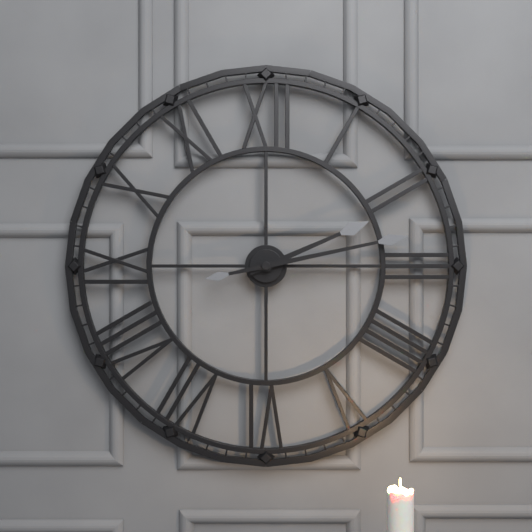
{"hour": 2, "minute": 13}
